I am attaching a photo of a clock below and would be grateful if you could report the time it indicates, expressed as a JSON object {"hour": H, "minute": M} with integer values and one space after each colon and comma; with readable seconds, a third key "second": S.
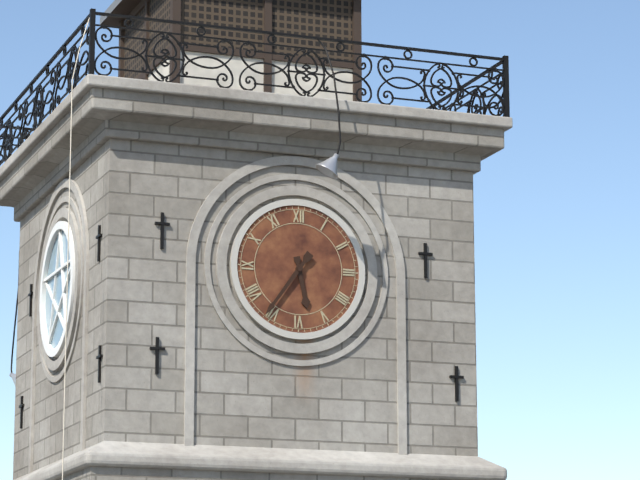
{"hour": 5, "minute": 36}
